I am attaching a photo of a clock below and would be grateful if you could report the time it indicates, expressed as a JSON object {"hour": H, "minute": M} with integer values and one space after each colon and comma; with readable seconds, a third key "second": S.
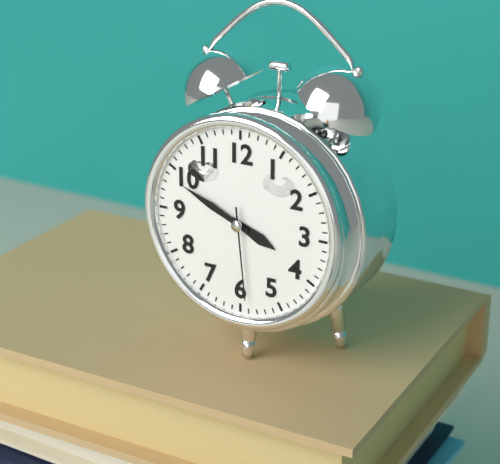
{"hour": 3, "minute": 49, "second": 29}
